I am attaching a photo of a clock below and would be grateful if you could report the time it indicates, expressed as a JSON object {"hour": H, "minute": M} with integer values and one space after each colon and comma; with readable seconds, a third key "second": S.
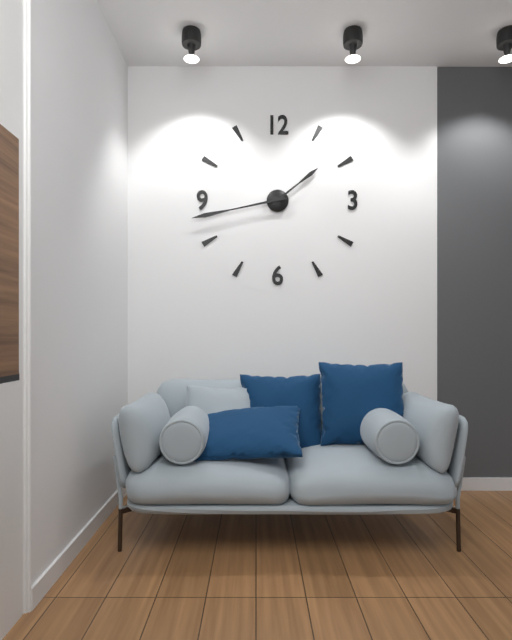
{"hour": 1, "minute": 43}
